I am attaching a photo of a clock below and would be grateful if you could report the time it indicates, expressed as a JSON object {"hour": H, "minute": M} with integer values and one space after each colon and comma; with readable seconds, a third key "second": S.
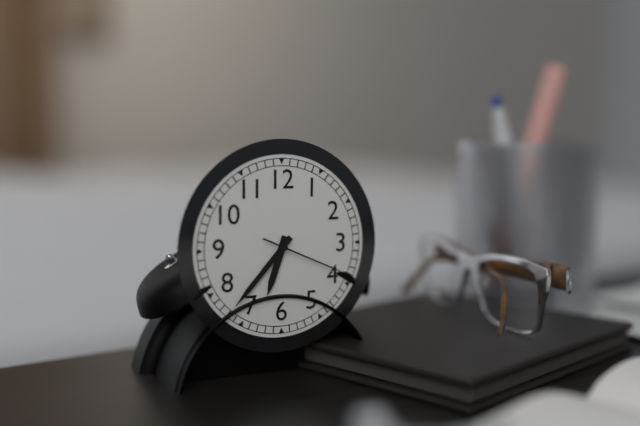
{"hour": 6, "minute": 37, "second": 19}
